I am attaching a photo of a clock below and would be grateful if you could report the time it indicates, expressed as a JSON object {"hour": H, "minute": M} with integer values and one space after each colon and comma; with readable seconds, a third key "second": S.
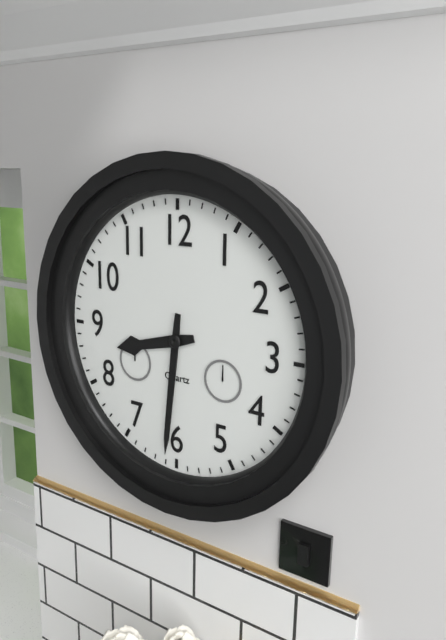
{"hour": 8, "minute": 31}
